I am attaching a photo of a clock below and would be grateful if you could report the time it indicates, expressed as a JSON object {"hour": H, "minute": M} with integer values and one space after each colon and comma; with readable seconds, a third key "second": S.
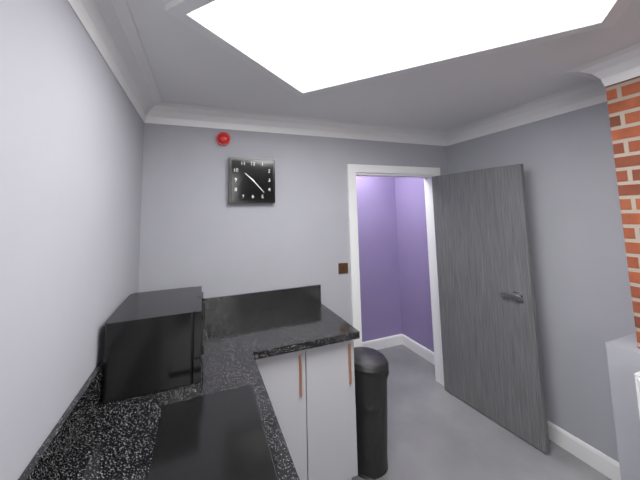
{"hour": 10, "minute": 23}
